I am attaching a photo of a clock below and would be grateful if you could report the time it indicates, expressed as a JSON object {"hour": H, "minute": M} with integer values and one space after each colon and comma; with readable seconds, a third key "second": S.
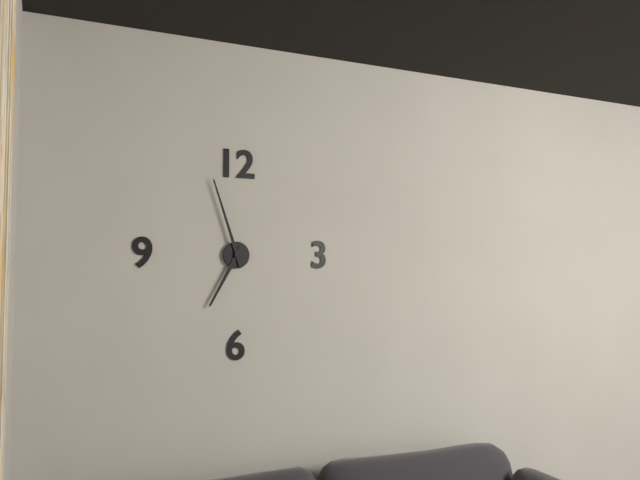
{"hour": 6, "minute": 57}
